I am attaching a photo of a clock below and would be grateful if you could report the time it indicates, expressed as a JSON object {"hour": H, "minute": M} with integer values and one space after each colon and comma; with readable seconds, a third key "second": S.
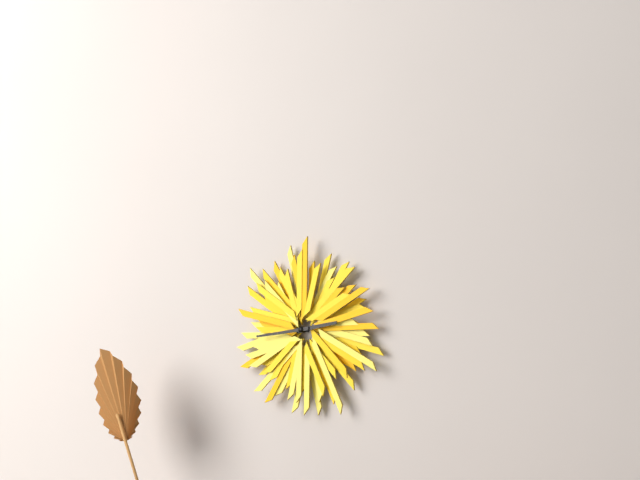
{"hour": 2, "minute": 44}
